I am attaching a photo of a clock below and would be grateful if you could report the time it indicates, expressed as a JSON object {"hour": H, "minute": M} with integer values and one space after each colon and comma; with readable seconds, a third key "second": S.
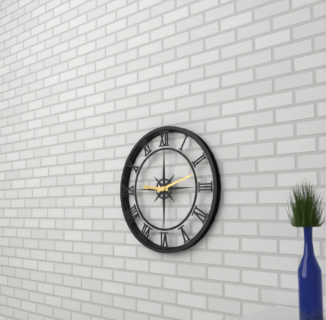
{"hour": 9, "minute": 12}
